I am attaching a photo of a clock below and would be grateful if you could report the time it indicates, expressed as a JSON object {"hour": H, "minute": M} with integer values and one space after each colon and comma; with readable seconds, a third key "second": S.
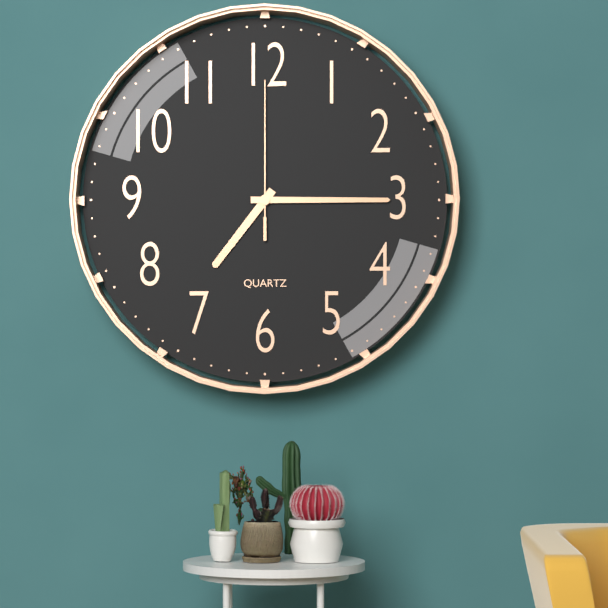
{"hour": 7, "minute": 15, "second": 0}
